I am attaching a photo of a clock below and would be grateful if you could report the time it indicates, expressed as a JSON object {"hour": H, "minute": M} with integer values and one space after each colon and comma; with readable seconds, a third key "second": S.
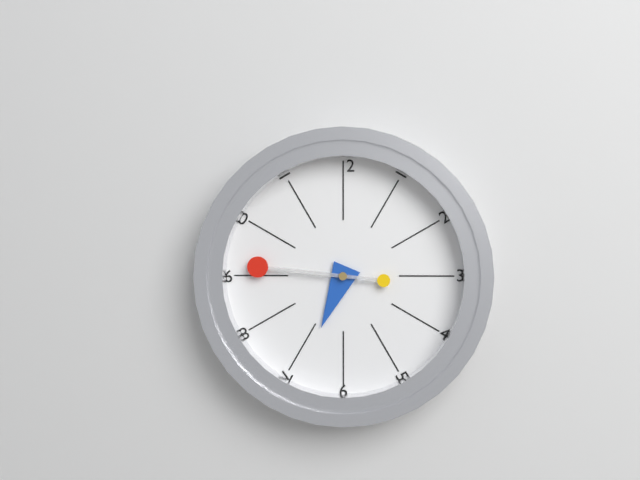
{"hour": 6, "minute": 46}
